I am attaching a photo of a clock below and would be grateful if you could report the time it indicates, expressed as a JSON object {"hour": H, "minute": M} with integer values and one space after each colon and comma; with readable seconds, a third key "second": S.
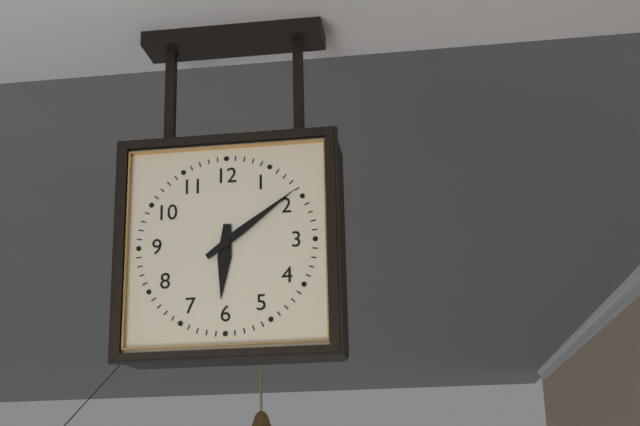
{"hour": 6, "minute": 9}
